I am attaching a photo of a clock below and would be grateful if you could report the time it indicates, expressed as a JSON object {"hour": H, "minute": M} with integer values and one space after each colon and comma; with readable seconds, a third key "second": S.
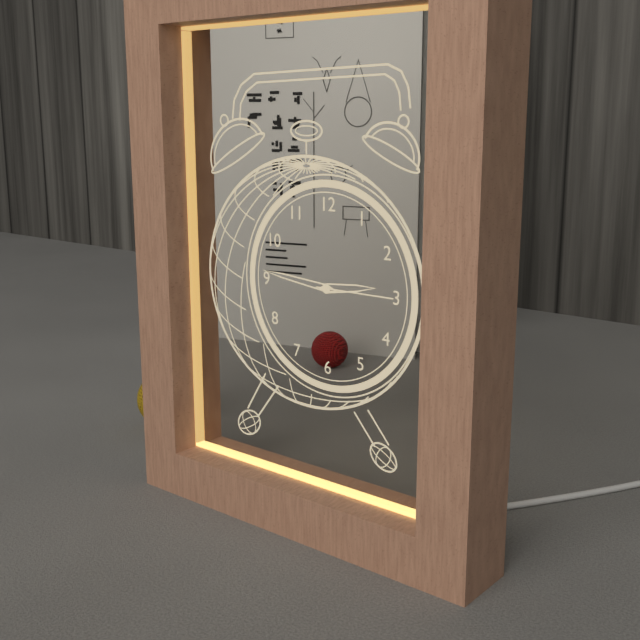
{"hour": 2, "minute": 46, "second": 15}
